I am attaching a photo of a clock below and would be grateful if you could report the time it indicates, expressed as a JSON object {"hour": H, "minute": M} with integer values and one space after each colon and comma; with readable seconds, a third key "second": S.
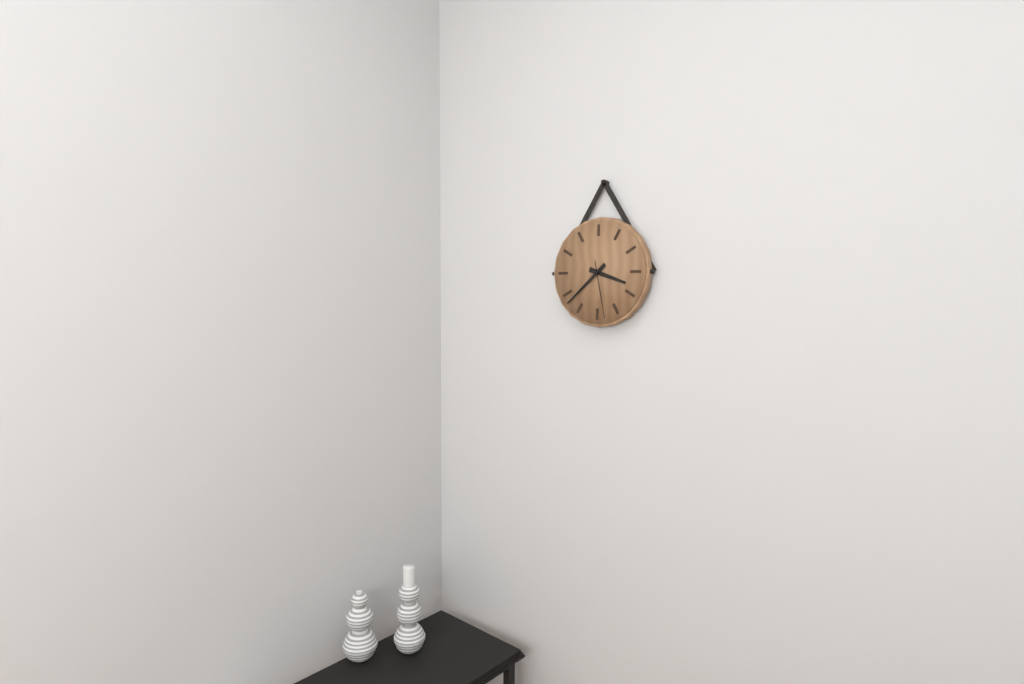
{"hour": 3, "minute": 38, "second": 28}
